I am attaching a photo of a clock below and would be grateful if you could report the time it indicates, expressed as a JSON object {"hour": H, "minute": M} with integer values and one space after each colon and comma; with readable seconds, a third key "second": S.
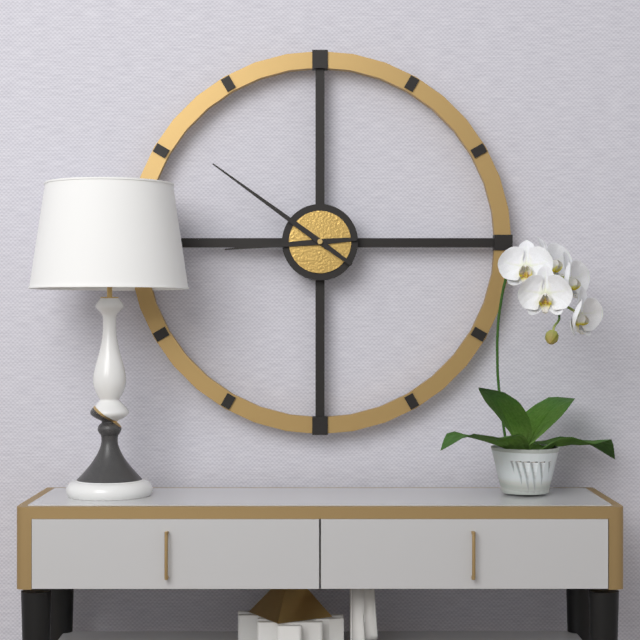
{"hour": 8, "minute": 51}
